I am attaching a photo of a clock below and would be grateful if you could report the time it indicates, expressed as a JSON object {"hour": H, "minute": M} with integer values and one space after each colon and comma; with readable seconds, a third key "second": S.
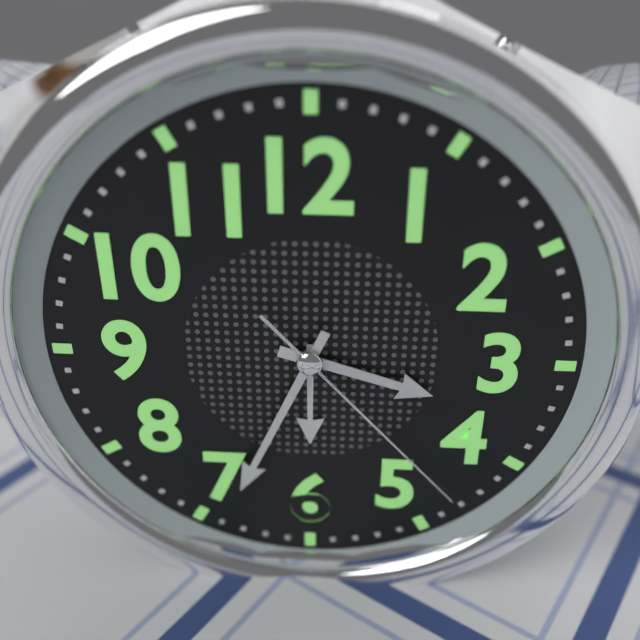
{"hour": 3, "minute": 34, "second": 23}
